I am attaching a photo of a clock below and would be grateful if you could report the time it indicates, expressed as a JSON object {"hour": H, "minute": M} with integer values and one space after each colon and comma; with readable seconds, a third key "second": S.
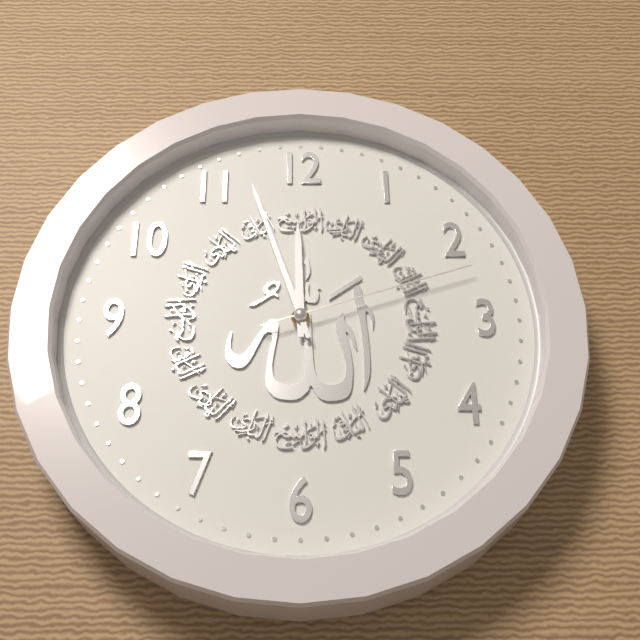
{"hour": 11, "minute": 57, "second": 12}
